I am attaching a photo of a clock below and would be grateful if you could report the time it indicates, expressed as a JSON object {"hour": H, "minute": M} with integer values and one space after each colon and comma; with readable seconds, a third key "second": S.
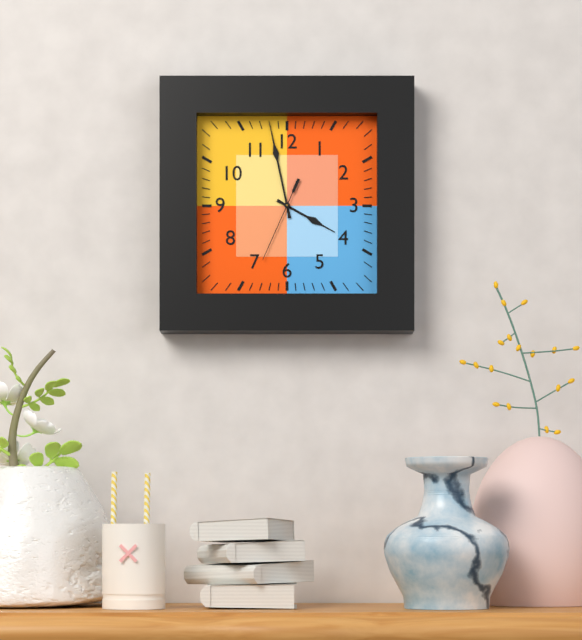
{"hour": 3, "minute": 58, "second": 34}
